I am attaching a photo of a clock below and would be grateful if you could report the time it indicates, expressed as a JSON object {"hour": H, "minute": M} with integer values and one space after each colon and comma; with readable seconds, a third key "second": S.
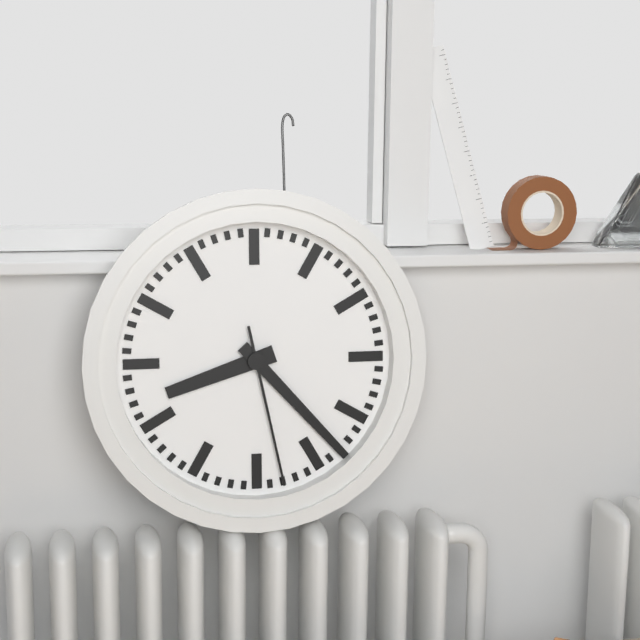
{"hour": 8, "minute": 23, "second": 28}
